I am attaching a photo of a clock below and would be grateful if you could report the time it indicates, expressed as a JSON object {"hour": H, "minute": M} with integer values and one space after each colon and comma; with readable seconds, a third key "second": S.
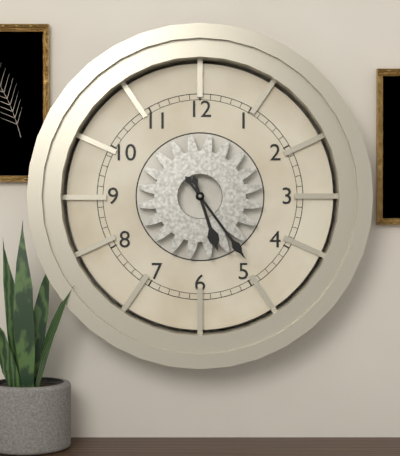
{"hour": 5, "minute": 24}
